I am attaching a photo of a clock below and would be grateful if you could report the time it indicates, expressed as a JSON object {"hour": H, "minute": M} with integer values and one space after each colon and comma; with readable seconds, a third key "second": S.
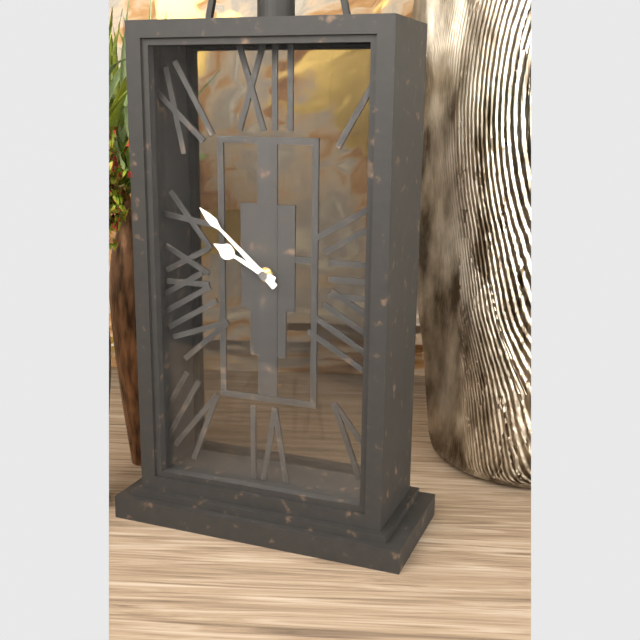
{"hour": 9, "minute": 52}
